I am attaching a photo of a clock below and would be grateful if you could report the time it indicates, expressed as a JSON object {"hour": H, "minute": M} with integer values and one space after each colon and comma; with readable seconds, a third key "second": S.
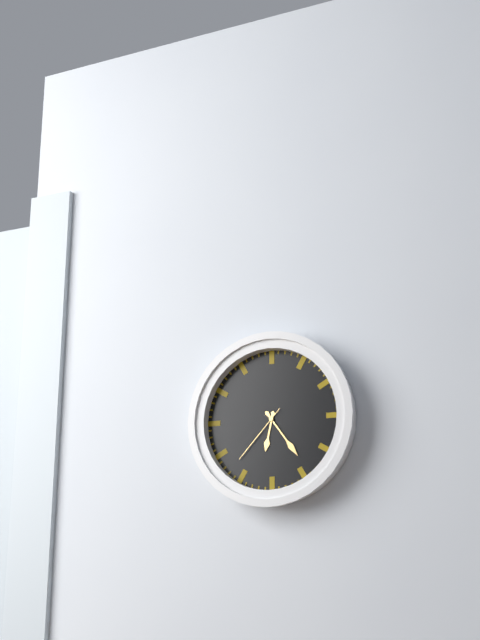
{"hour": 6, "minute": 24, "second": 37}
